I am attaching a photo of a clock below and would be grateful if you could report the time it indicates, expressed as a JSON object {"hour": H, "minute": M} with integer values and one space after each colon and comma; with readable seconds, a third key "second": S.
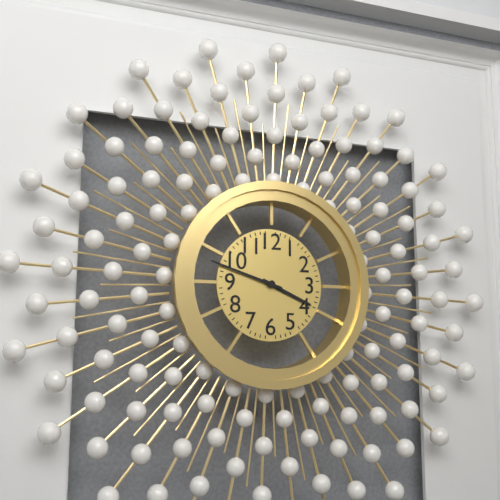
{"hour": 3, "minute": 48}
